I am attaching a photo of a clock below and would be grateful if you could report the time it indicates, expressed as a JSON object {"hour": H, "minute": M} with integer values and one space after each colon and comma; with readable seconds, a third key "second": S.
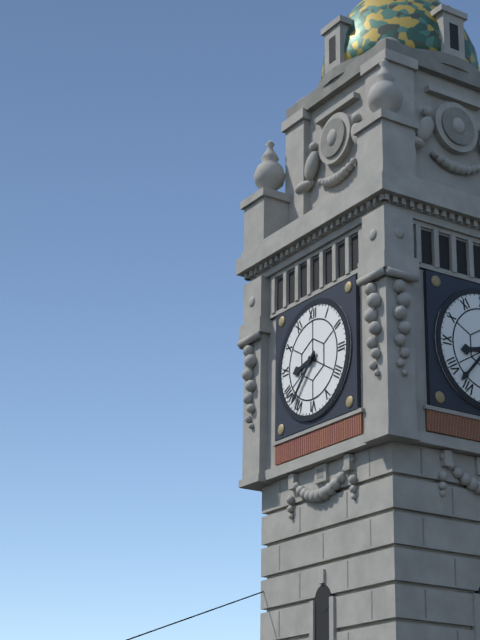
{"hour": 8, "minute": 37}
